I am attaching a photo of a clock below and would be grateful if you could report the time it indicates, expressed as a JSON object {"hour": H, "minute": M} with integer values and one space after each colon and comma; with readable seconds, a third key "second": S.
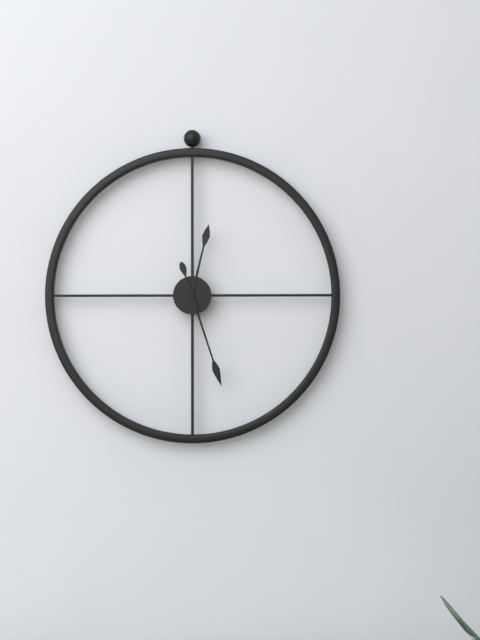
{"hour": 12, "minute": 27}
